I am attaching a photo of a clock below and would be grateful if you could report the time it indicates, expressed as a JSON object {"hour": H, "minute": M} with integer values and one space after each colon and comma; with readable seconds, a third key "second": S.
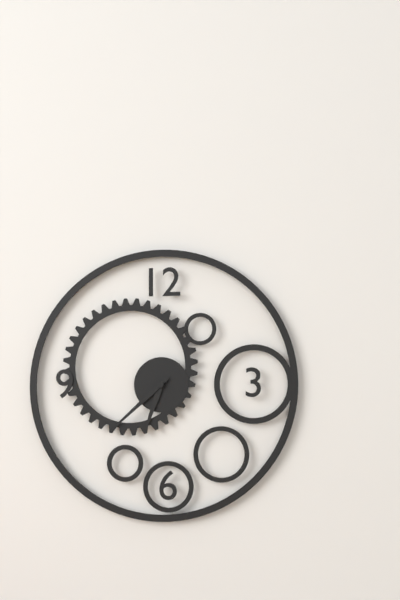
{"hour": 6, "minute": 38}
